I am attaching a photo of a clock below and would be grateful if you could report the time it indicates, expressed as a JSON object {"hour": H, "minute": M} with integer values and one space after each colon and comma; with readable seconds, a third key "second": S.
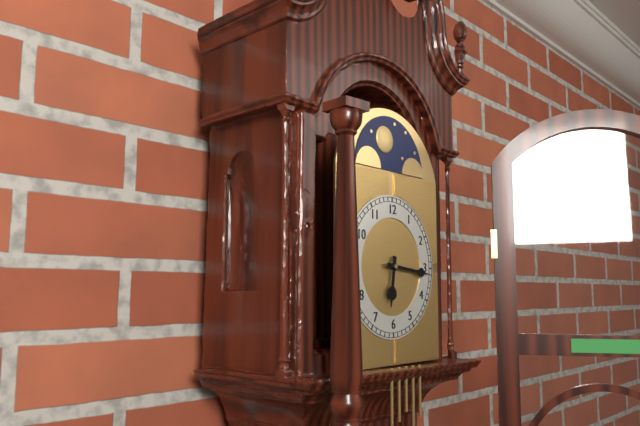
{"hour": 6, "minute": 16}
